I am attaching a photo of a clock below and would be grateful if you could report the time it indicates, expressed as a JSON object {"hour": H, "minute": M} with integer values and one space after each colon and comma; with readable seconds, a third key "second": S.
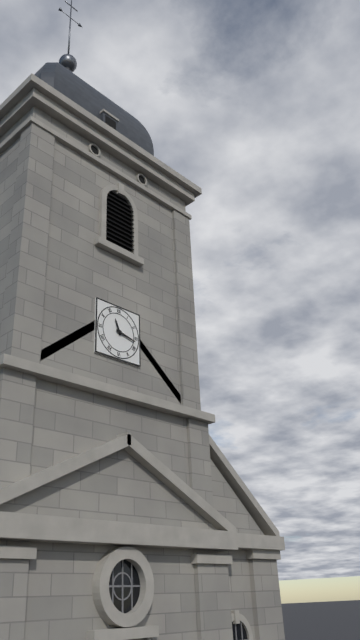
{"hour": 11, "minute": 17}
